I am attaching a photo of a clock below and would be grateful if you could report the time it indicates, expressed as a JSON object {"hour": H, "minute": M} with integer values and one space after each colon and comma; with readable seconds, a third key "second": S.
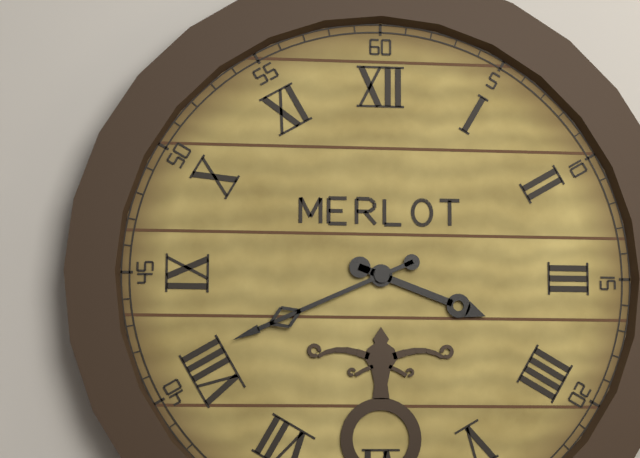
{"hour": 3, "minute": 41}
